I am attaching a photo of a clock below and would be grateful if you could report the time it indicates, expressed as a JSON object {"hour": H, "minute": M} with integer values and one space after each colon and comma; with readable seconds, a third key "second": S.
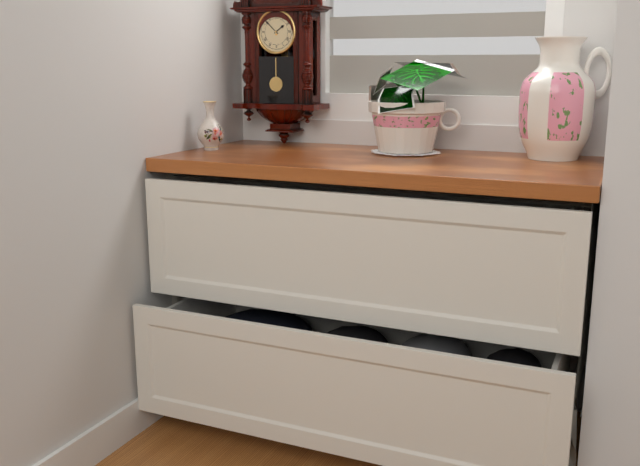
{"hour": 1, "minute": 52}
